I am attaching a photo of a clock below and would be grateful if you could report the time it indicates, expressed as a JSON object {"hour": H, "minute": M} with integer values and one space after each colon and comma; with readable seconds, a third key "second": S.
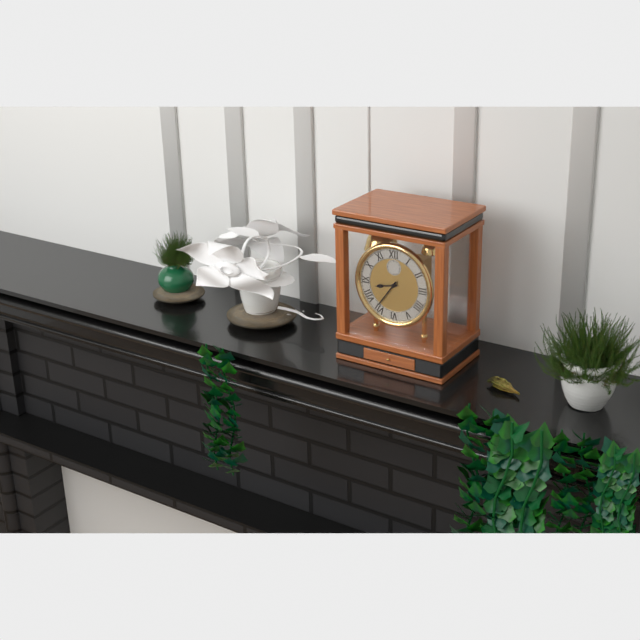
{"hour": 8, "minute": 36}
